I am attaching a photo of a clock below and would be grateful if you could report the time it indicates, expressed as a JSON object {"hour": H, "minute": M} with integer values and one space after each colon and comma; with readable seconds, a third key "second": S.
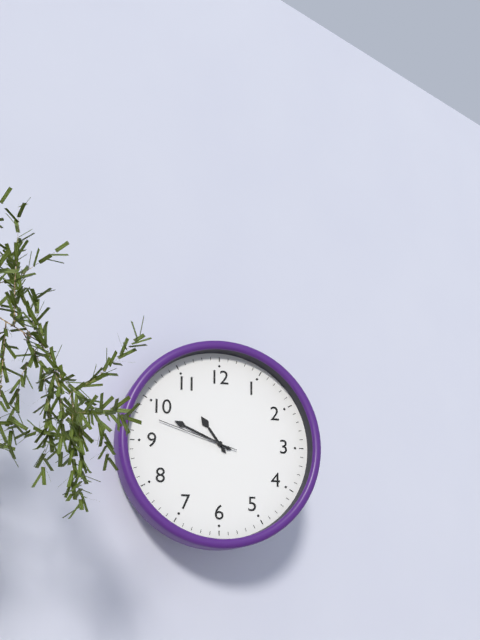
{"hour": 10, "minute": 49, "second": 48}
